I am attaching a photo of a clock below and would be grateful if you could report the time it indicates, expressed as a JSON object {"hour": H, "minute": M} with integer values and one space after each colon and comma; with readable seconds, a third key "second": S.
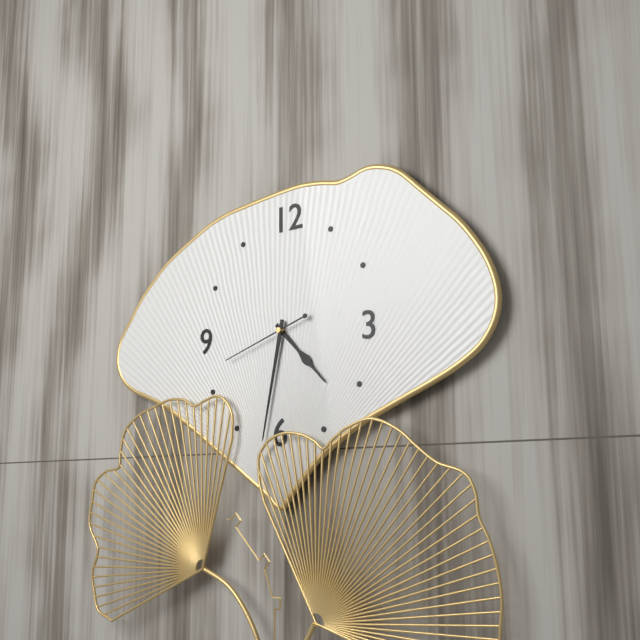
{"hour": 4, "minute": 32, "second": 42}
